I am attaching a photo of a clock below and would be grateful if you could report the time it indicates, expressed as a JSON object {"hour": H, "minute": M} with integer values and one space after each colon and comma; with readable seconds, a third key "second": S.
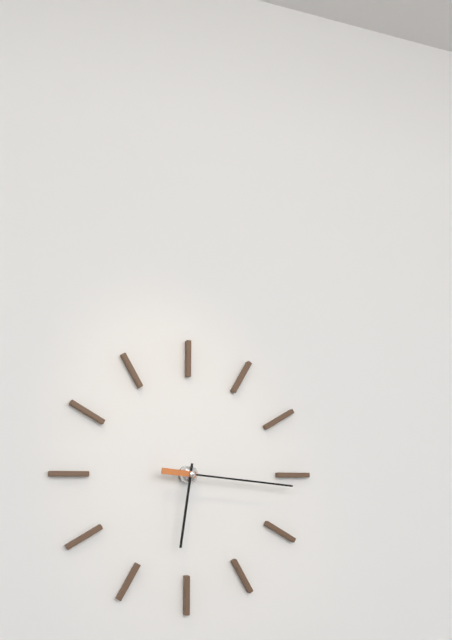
{"hour": 6, "minute": 16}
